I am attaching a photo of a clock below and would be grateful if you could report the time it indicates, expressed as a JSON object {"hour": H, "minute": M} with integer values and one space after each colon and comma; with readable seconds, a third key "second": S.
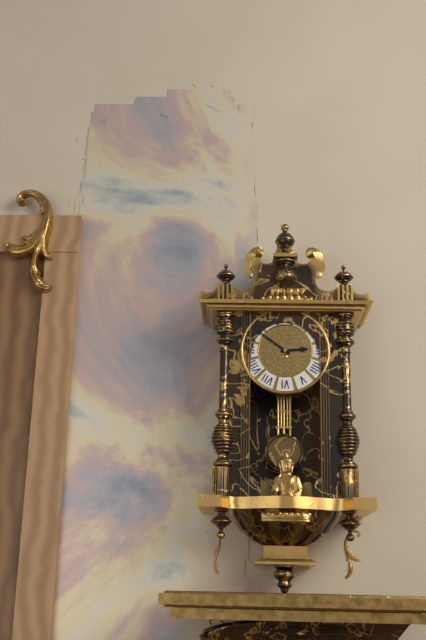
{"hour": 2, "minute": 51}
